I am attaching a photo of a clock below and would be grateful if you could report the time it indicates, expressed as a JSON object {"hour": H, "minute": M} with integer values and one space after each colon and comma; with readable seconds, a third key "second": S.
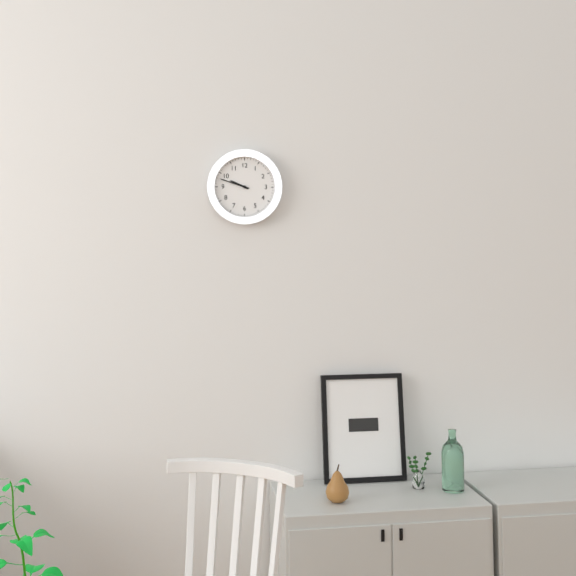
{"hour": 9, "minute": 48}
